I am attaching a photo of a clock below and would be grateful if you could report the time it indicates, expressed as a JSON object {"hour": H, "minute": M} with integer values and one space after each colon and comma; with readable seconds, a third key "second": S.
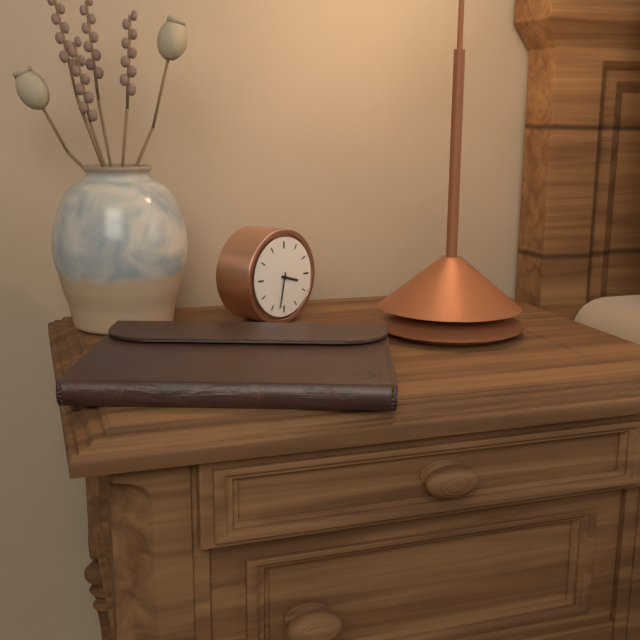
{"hour": 3, "minute": 32}
